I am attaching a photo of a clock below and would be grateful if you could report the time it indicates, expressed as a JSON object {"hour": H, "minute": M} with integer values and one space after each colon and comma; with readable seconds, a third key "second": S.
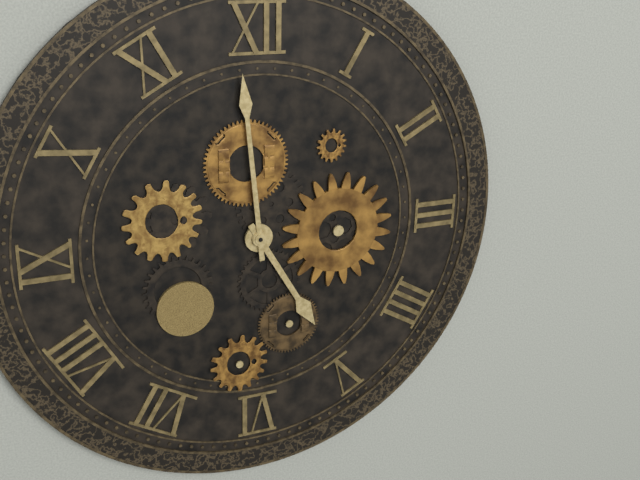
{"hour": 4, "minute": 59}
